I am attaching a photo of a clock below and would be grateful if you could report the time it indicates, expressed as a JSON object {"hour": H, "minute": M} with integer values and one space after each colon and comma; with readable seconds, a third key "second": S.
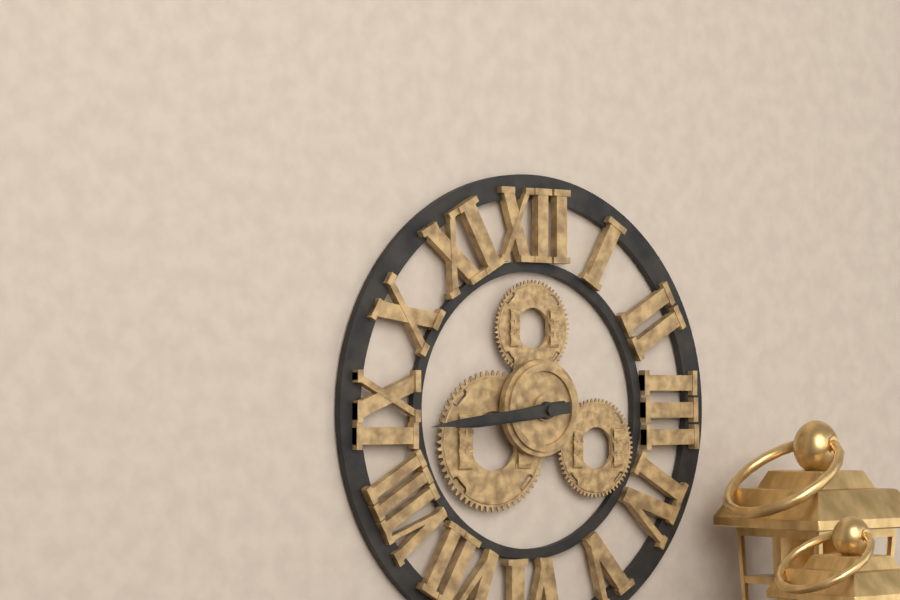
{"hour": 8, "minute": 44}
